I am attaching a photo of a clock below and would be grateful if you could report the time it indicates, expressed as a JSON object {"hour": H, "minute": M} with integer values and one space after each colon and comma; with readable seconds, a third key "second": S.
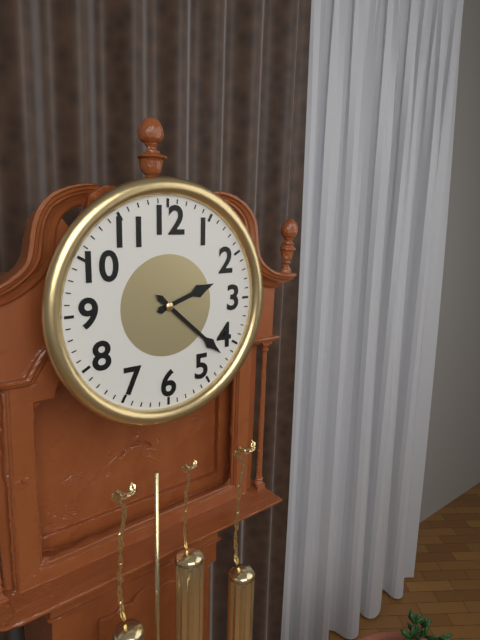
{"hour": 2, "minute": 22}
